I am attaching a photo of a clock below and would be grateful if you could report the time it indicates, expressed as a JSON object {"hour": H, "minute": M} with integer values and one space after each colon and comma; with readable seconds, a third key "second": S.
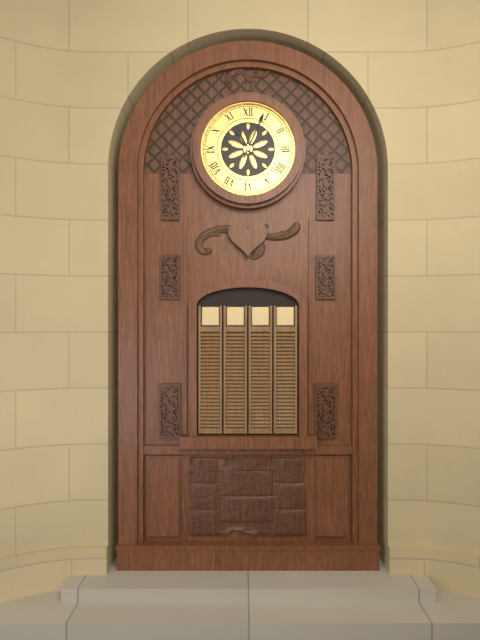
{"hour": 11, "minute": 4}
